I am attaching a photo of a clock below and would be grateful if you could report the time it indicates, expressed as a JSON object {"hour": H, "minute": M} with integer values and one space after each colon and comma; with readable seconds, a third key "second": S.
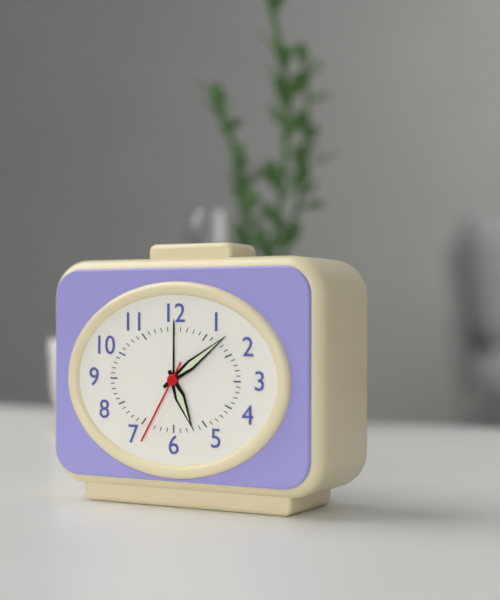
{"hour": 5, "minute": 9, "second": 35}
